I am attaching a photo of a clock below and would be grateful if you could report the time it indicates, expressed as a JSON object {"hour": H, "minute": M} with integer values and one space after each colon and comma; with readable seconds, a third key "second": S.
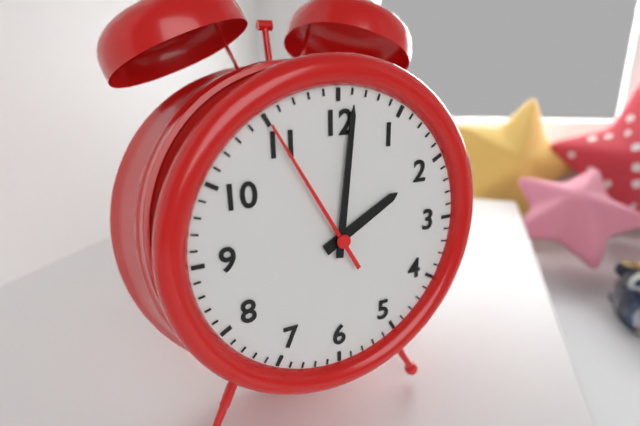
{"hour": 2, "minute": 1, "second": 55}
